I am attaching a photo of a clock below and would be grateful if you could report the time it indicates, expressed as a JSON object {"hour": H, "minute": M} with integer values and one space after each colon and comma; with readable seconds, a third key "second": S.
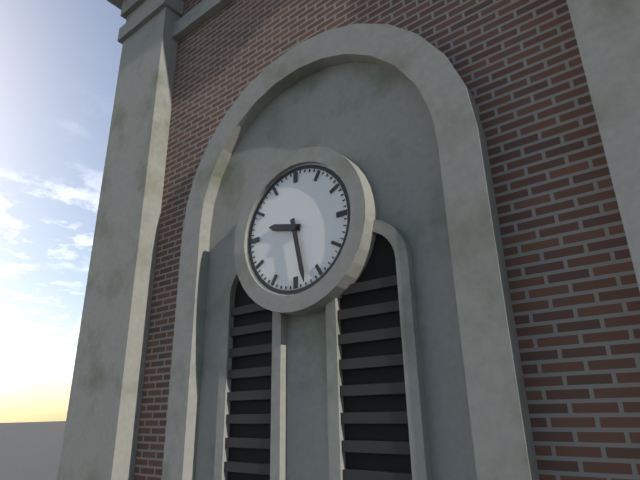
{"hour": 9, "minute": 28}
